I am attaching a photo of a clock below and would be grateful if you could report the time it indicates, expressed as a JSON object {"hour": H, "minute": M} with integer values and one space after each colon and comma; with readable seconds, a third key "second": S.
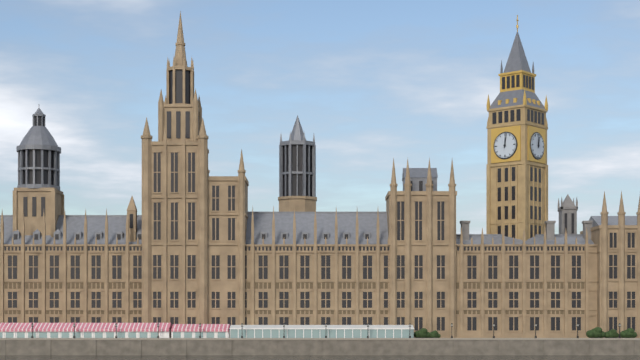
{"hour": 12, "minute": 2}
